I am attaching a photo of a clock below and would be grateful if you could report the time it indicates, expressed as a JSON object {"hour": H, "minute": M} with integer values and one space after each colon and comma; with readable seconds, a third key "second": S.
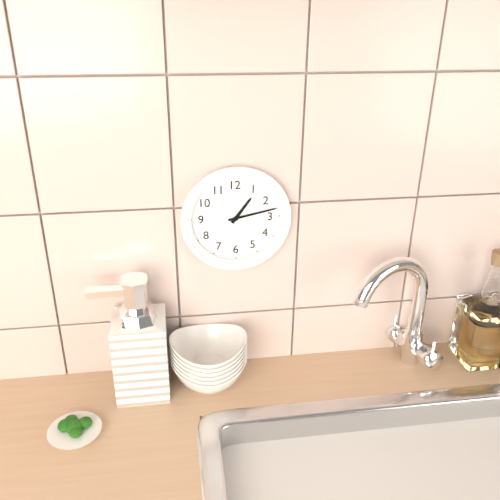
{"hour": 1, "minute": 13}
